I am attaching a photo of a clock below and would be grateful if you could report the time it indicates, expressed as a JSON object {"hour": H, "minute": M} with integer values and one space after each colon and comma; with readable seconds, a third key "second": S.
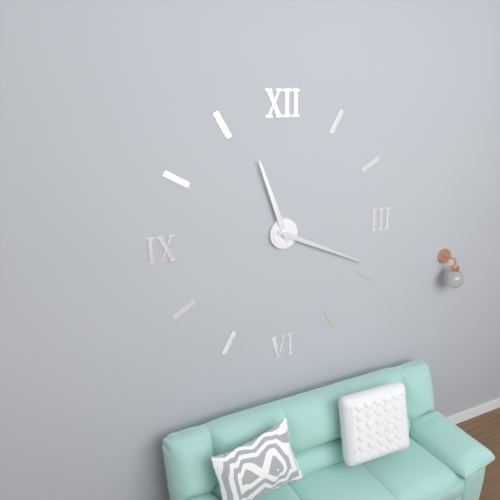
{"hour": 11, "minute": 19}
